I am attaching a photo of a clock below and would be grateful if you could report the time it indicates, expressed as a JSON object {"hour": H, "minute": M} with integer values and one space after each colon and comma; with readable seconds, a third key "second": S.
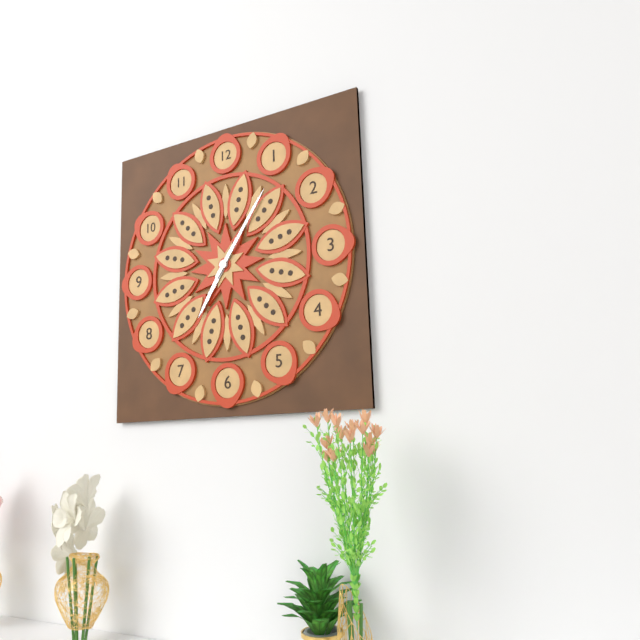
{"hour": 7, "minute": 6}
